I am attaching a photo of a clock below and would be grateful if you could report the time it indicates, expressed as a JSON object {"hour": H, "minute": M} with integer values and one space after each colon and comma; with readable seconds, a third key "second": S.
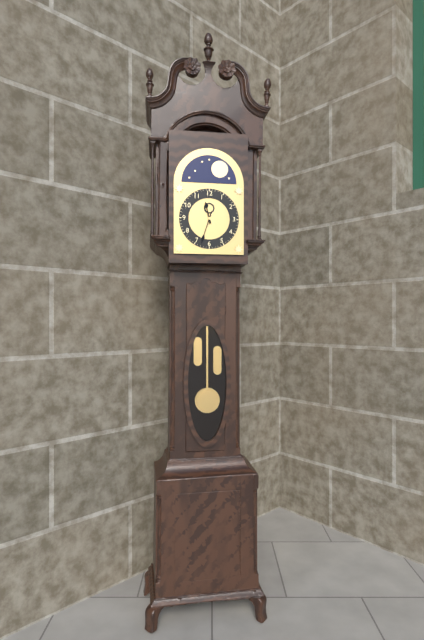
{"hour": 11, "minute": 33}
